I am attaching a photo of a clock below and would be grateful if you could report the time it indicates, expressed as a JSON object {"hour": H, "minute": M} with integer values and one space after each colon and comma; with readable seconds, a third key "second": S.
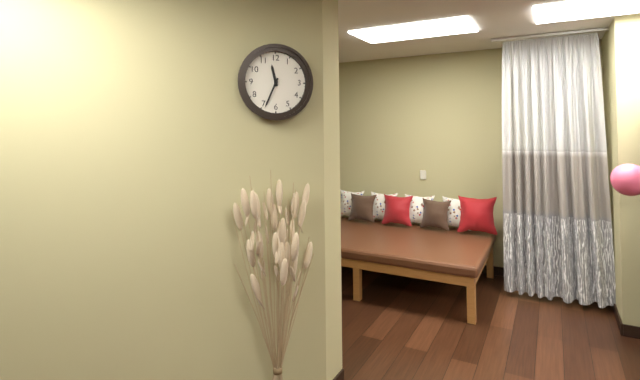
{"hour": 11, "minute": 34}
